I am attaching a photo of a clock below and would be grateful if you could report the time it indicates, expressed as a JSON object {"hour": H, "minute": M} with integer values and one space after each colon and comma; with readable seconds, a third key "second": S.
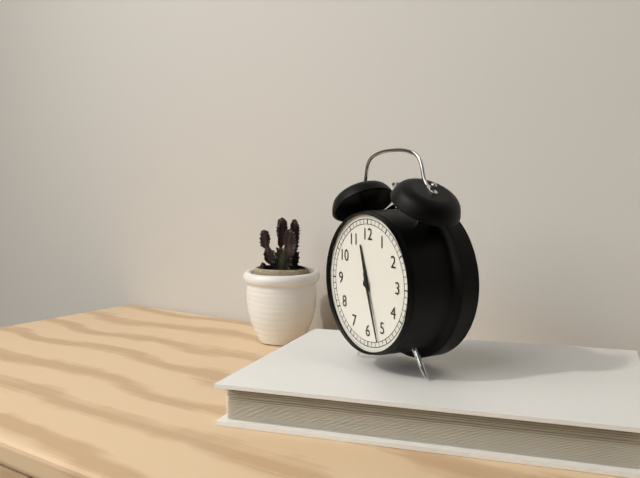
{"hour": 11, "minute": 27}
